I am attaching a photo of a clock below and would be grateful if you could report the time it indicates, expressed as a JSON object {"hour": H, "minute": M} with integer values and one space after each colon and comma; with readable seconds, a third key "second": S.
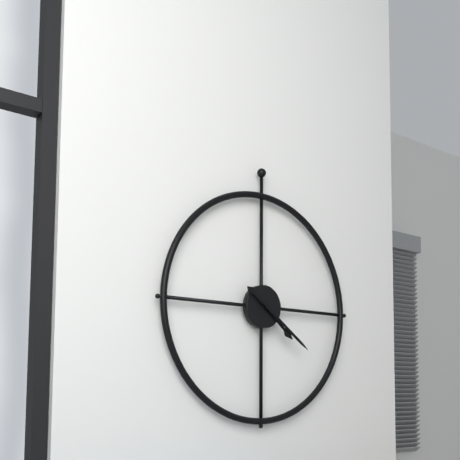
{"hour": 4, "minute": 21}
